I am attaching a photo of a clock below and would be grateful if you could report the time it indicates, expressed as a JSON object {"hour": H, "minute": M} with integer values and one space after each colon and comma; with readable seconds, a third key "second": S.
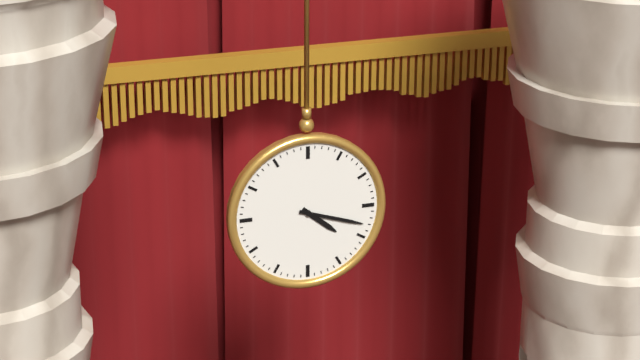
{"hour": 4, "minute": 18}
